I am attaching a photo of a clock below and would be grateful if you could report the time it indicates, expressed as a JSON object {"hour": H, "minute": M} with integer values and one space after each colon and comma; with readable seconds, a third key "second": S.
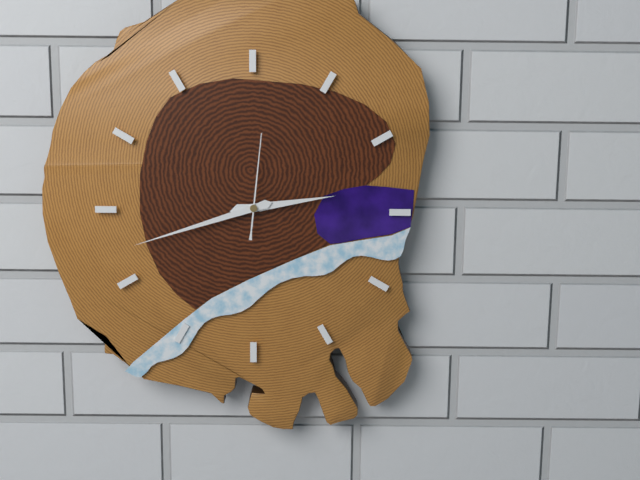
{"hour": 2, "minute": 42, "second": 1}
